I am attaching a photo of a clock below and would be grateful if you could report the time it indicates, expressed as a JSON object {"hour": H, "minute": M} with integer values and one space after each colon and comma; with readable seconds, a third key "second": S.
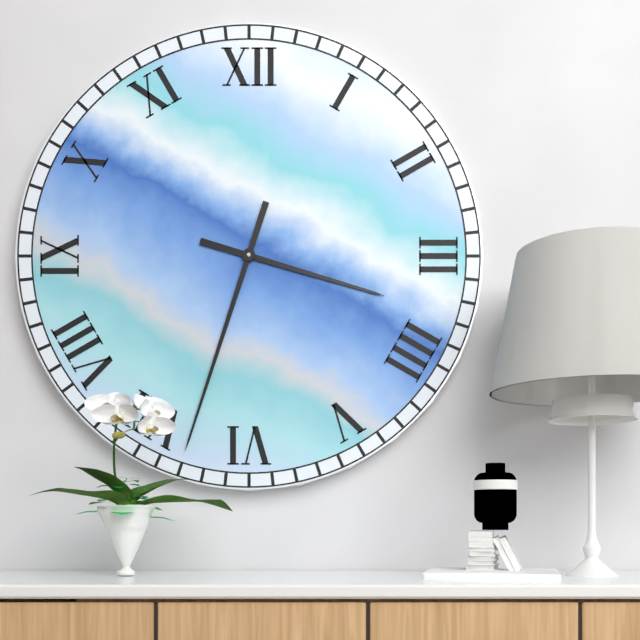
{"hour": 3, "minute": 33}
